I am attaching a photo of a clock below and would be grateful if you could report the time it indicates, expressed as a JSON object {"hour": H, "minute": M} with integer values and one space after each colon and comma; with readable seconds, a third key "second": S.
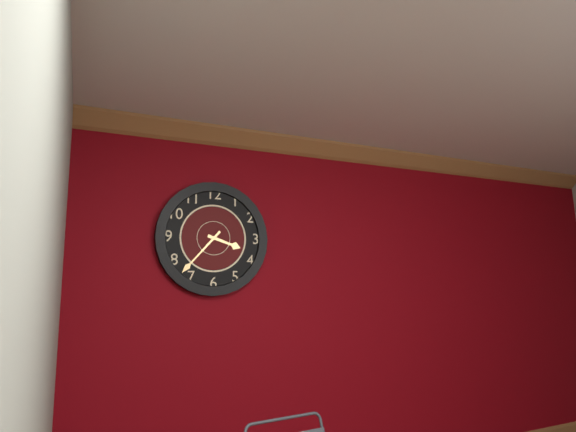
{"hour": 3, "minute": 37}
